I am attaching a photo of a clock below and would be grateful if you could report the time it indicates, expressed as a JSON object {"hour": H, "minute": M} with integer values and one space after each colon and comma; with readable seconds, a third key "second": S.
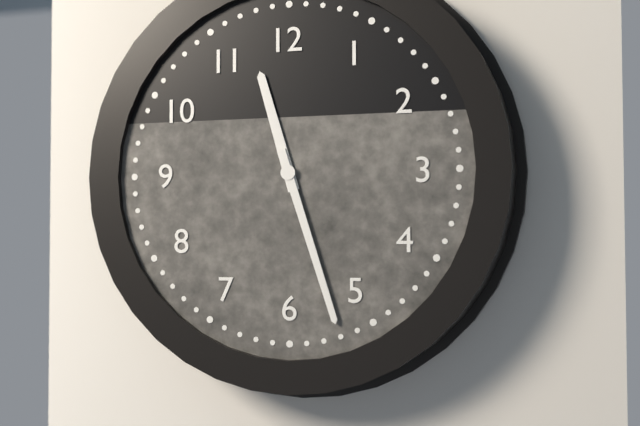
{"hour": 11, "minute": 27}
